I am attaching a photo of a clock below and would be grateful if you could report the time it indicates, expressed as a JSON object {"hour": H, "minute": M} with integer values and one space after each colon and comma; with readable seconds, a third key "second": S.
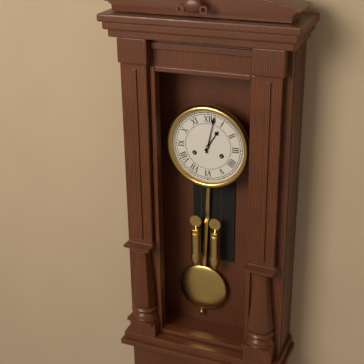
{"hour": 1, "minute": 2}
